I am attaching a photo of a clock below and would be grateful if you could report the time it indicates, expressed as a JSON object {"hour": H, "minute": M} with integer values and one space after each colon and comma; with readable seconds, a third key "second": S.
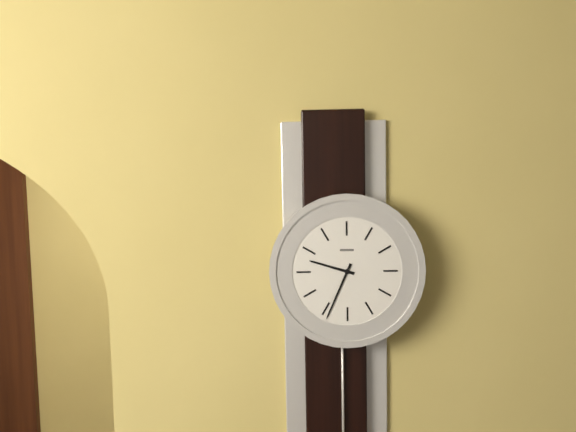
{"hour": 9, "minute": 34}
